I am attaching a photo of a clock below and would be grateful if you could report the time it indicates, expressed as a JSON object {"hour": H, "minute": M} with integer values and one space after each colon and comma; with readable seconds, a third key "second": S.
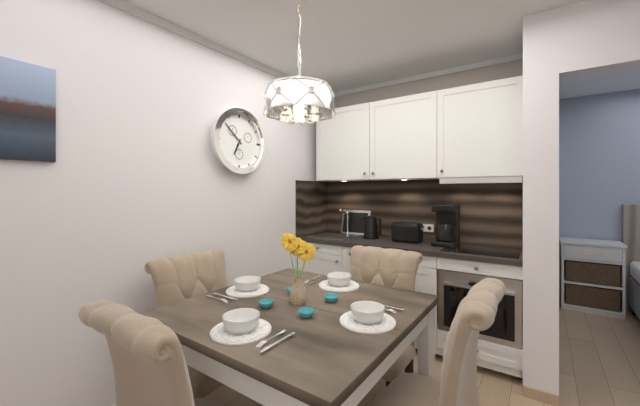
{"hour": 6, "minute": 52}
